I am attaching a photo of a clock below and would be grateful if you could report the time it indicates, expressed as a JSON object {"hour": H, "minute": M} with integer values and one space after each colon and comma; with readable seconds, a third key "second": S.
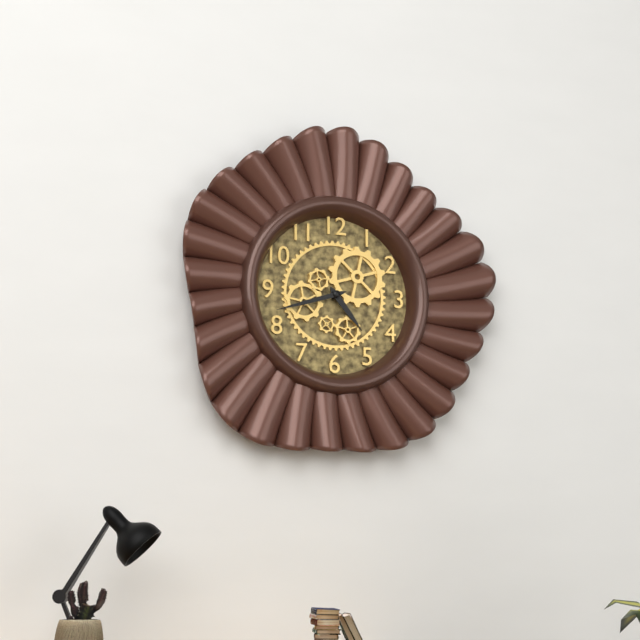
{"hour": 4, "minute": 42}
